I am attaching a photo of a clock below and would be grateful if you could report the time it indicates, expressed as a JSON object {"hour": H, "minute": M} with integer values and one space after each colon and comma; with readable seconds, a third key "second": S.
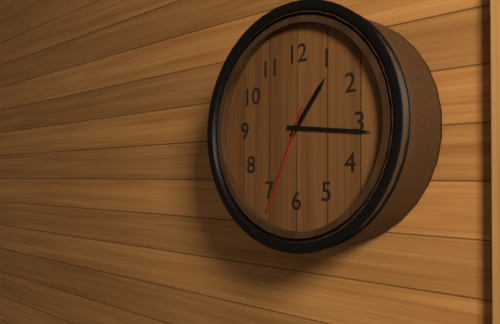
{"hour": 1, "minute": 16, "second": 34}
